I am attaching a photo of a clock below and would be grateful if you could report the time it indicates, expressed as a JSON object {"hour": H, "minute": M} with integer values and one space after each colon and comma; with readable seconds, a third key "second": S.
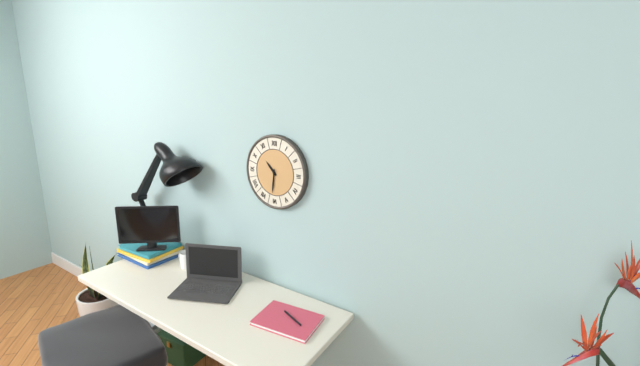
{"hour": 10, "minute": 31}
